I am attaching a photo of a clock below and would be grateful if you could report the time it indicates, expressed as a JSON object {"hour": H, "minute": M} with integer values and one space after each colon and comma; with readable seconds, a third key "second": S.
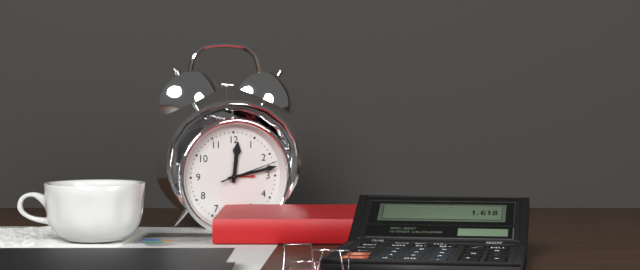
{"hour": 12, "minute": 13, "second": 12}
